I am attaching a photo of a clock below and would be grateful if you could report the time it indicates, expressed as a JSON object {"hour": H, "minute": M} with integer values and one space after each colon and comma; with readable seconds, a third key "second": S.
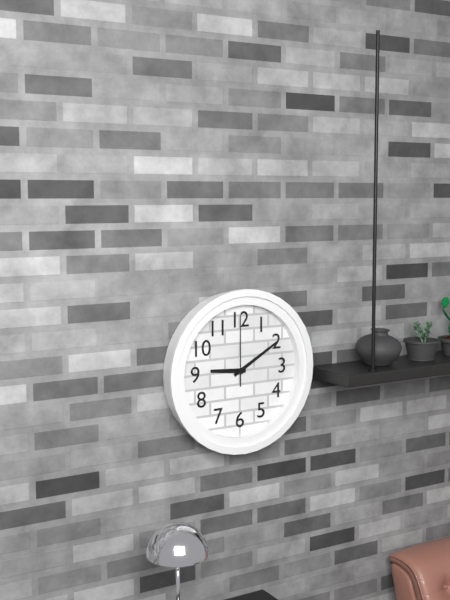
{"hour": 9, "minute": 10, "second": 0}
